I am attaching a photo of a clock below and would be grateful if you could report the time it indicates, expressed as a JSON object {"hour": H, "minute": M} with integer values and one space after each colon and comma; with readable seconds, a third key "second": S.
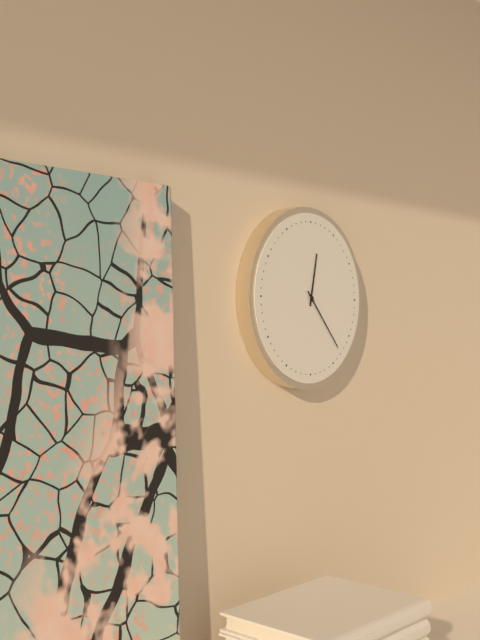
{"hour": 12, "minute": 23}
